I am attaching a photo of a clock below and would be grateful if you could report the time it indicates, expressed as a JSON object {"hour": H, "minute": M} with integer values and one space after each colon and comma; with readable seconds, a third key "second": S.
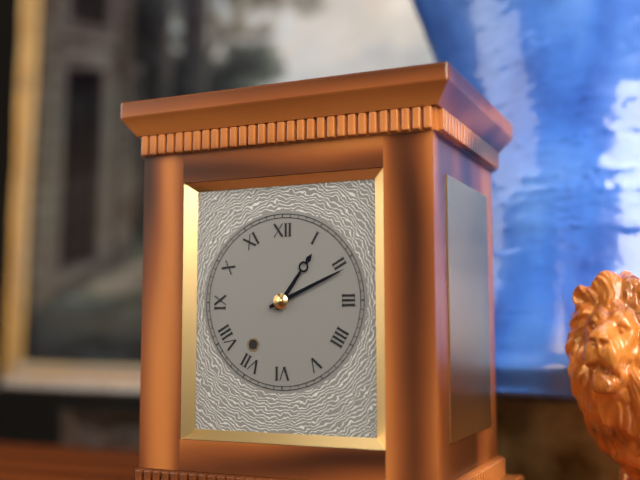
{"hour": 1, "minute": 11}
